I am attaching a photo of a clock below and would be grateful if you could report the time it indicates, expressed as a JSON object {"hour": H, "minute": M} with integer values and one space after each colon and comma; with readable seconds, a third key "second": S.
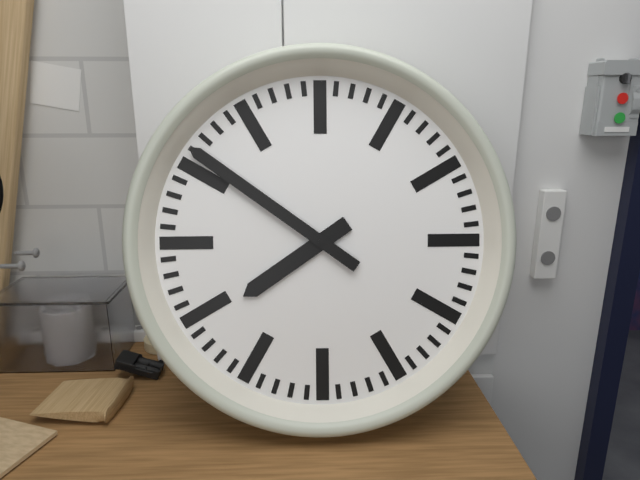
{"hour": 7, "minute": 51}
